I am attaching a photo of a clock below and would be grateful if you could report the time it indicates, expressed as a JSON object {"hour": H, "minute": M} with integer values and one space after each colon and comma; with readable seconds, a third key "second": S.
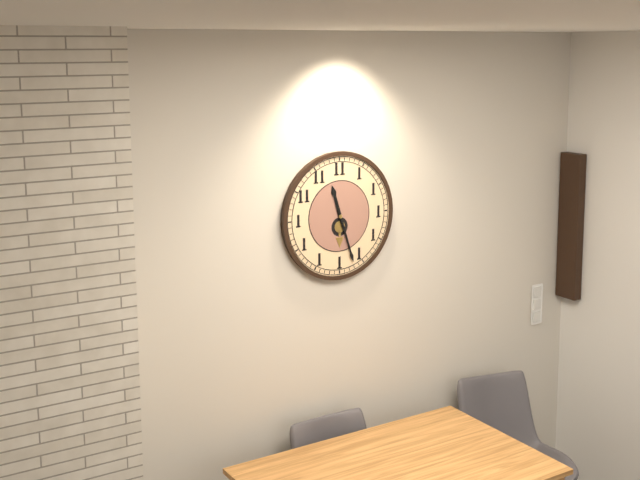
{"hour": 11, "minute": 27}
